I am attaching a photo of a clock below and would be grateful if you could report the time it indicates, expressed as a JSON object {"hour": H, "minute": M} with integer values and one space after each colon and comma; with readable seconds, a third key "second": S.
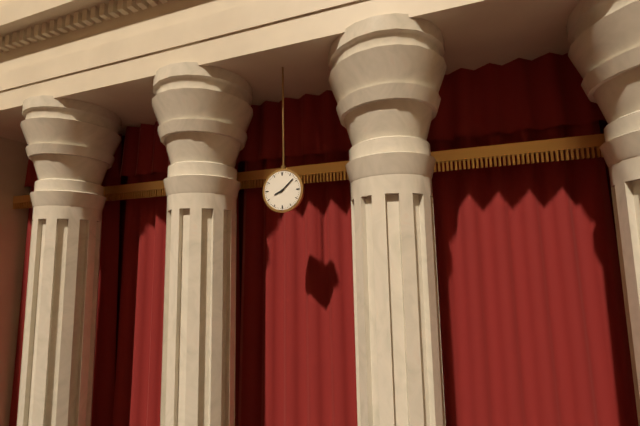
{"hour": 8, "minute": 8}
